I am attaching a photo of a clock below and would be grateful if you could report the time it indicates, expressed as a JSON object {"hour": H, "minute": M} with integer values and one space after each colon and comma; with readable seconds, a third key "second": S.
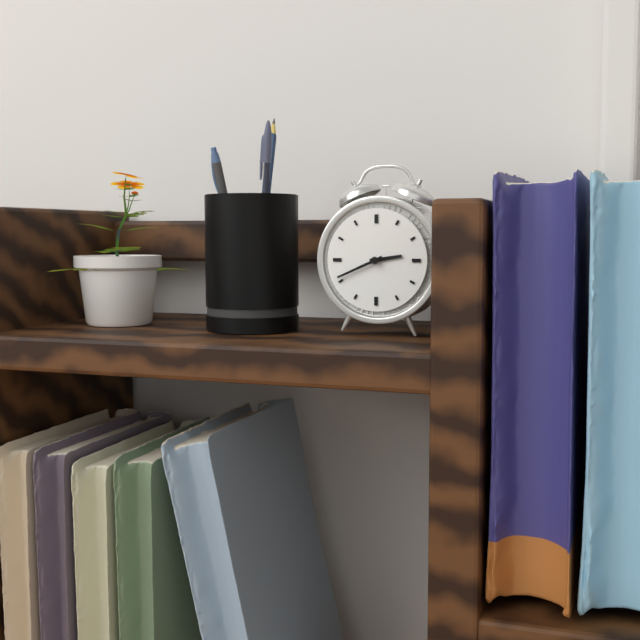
{"hour": 2, "minute": 41}
